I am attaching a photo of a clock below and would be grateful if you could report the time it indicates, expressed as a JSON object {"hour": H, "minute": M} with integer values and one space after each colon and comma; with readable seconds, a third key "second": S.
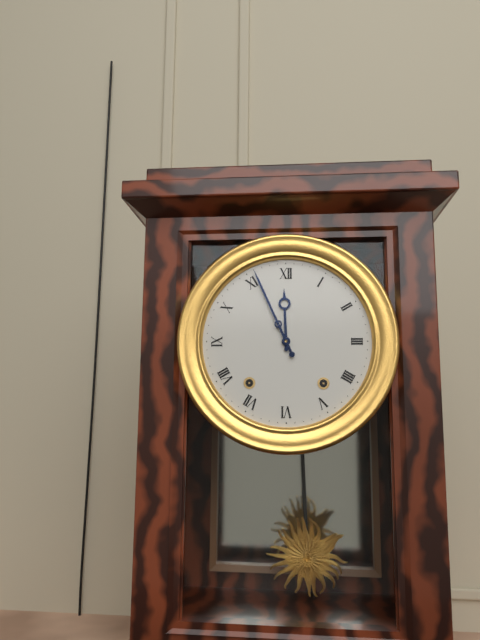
{"hour": 11, "minute": 56}
